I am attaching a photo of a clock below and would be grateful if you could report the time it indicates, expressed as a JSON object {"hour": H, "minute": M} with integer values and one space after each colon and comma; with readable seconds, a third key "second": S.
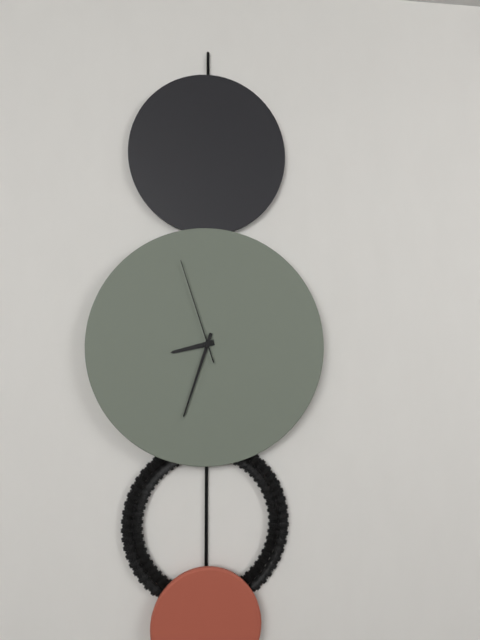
{"hour": 8, "minute": 33, "second": 57}
